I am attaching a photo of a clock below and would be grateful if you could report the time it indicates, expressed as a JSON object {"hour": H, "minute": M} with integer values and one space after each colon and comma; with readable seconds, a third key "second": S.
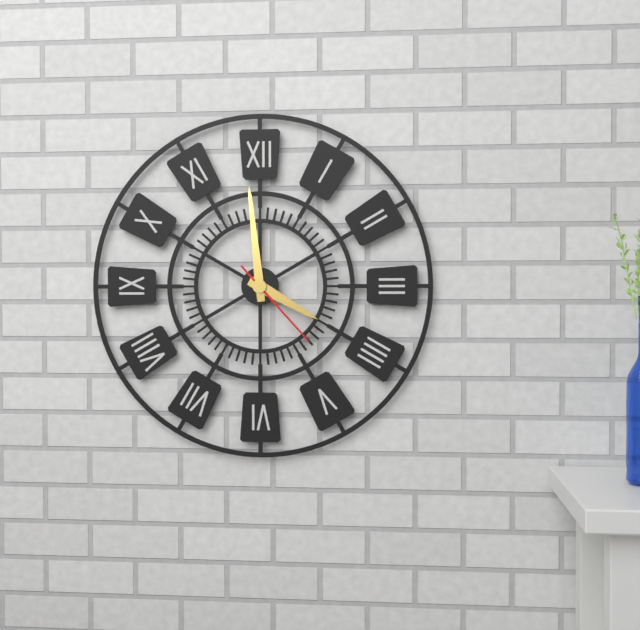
{"hour": 3, "minute": 59, "second": 23}
